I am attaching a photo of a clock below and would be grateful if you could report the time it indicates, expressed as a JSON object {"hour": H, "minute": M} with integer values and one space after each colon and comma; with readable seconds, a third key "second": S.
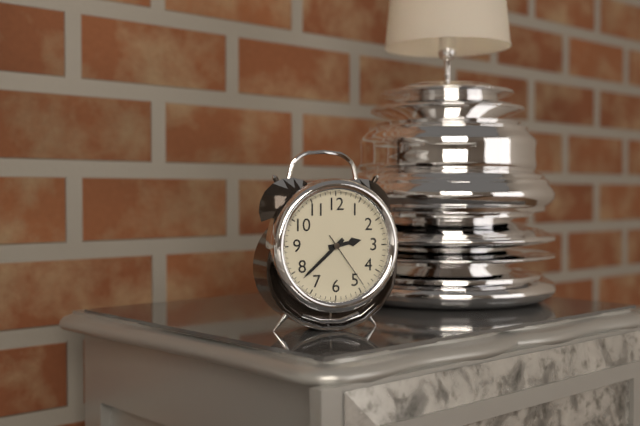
{"hour": 2, "minute": 38, "second": 24}
